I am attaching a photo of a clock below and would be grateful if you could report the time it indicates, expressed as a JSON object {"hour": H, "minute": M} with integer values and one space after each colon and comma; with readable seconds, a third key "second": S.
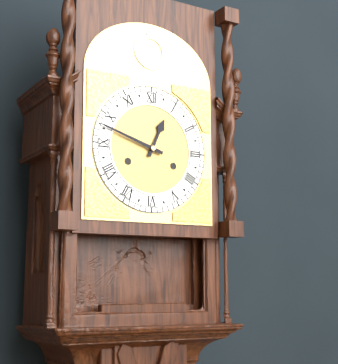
{"hour": 12, "minute": 48}
